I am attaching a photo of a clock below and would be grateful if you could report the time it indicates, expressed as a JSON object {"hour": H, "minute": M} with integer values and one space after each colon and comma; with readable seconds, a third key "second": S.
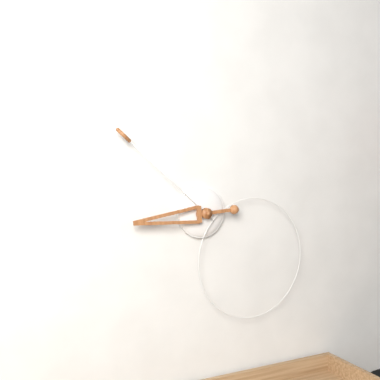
{"hour": 8, "minute": 52}
